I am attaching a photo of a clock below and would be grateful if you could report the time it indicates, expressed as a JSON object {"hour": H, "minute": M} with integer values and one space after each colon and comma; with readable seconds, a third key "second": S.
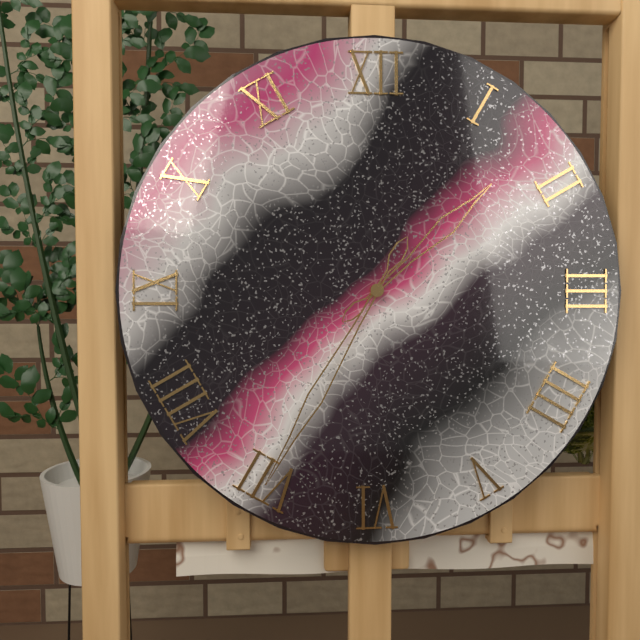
{"hour": 1, "minute": 35}
